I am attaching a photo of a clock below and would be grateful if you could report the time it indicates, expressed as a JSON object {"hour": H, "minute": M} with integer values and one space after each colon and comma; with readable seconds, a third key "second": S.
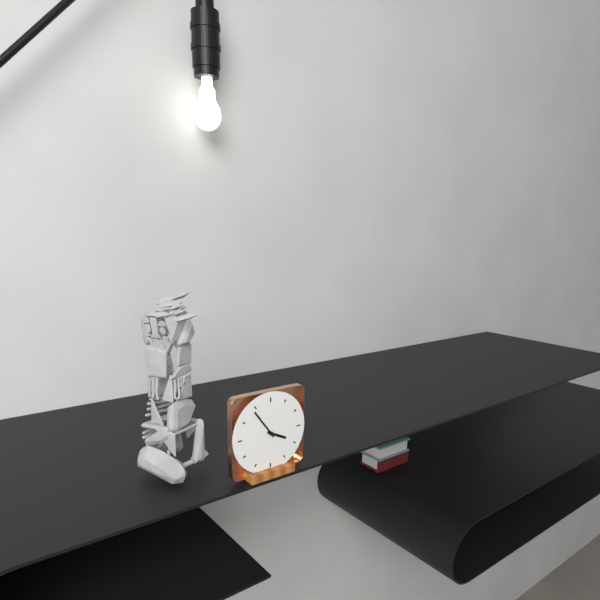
{"hour": 3, "minute": 54}
